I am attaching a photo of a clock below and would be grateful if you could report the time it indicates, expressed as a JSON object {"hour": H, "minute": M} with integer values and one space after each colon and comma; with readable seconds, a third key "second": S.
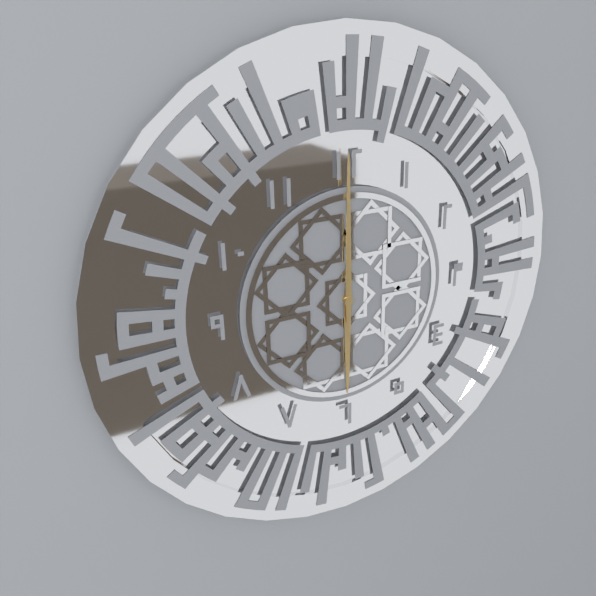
{"hour": 6, "minute": 0}
